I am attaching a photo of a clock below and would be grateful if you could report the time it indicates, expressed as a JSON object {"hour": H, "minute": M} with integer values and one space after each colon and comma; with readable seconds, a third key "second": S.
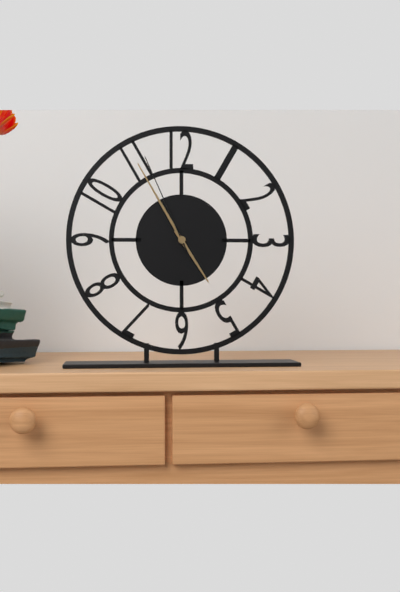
{"hour": 4, "minute": 55, "second": 56}
